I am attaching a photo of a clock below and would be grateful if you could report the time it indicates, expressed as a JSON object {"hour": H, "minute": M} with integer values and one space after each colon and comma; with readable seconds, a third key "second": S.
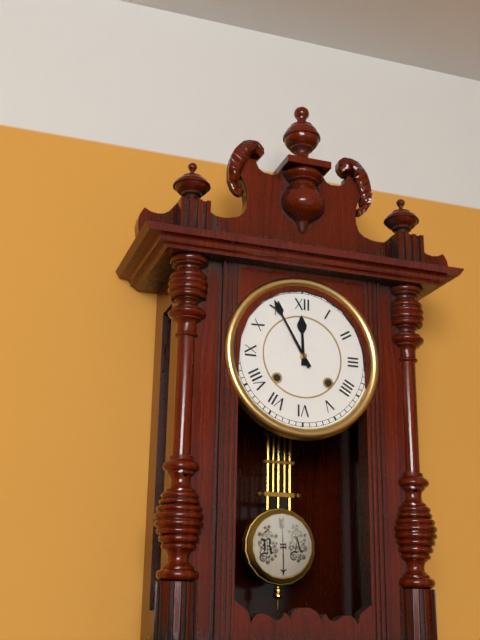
{"hour": 11, "minute": 55}
